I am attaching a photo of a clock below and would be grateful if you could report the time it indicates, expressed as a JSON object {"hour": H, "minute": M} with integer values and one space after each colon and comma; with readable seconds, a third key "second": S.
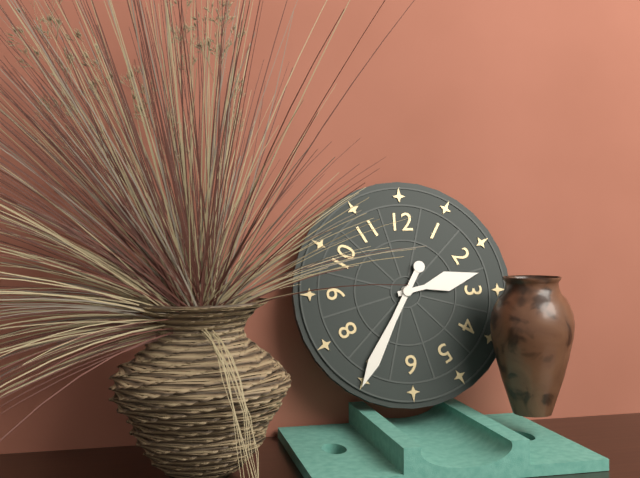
{"hour": 2, "minute": 35}
